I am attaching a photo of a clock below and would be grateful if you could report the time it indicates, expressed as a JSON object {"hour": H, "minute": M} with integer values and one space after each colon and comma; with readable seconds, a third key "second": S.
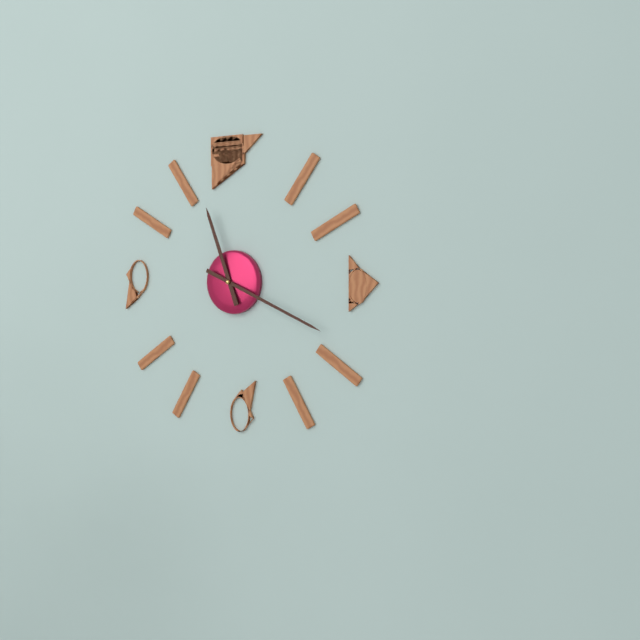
{"hour": 11, "minute": 19}
